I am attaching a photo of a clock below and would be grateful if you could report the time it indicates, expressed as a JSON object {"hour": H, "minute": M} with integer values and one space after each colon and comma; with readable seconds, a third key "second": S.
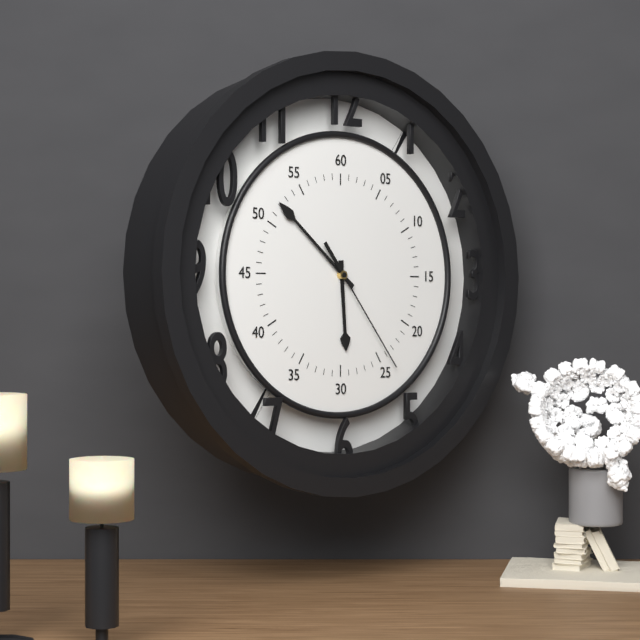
{"hour": 5, "minute": 52, "second": 24}
